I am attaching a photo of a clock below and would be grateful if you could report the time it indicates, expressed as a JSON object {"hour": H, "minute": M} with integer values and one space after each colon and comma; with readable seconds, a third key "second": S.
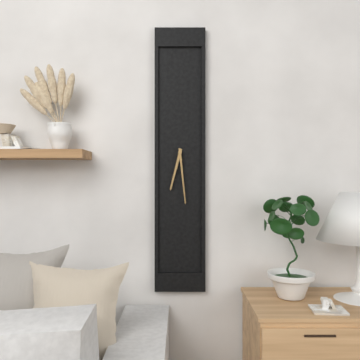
{"hour": 6, "minute": 29}
